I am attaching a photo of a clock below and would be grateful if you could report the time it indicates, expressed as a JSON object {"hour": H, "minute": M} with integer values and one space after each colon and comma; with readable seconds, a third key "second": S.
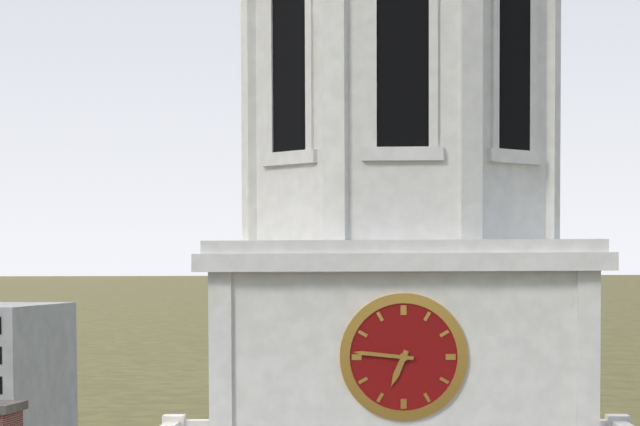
{"hour": 6, "minute": 46}
